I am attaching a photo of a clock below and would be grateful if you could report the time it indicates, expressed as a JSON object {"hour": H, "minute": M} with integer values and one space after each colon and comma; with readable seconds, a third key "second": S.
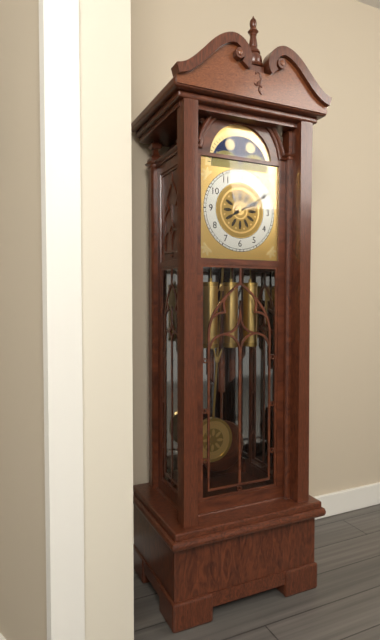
{"hour": 2, "minute": 10}
